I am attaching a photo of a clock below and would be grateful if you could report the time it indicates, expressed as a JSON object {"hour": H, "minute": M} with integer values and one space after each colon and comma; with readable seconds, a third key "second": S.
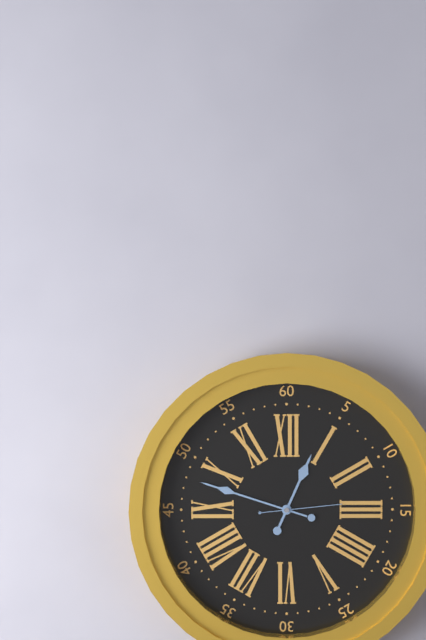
{"hour": 12, "minute": 48, "second": 14}
